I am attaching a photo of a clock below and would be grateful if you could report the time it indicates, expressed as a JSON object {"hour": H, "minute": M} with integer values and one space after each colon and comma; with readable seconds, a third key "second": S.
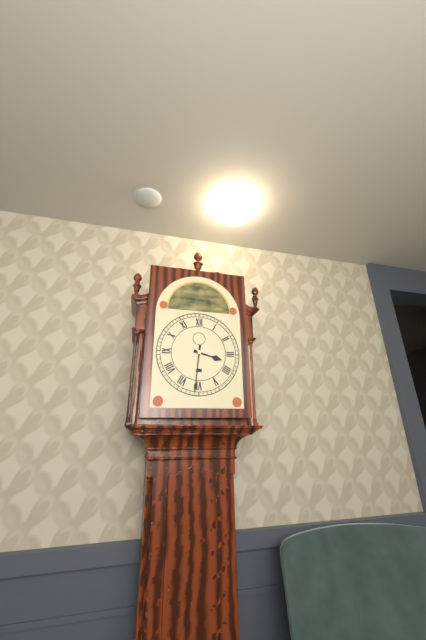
{"hour": 3, "minute": 31}
